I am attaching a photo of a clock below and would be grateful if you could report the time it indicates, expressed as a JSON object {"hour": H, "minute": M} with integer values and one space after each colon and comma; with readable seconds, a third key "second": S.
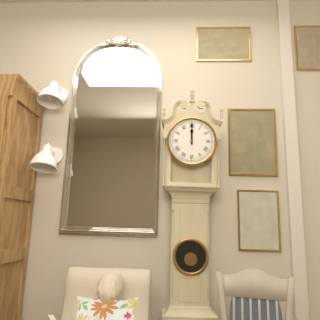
{"hour": 12, "minute": 0}
